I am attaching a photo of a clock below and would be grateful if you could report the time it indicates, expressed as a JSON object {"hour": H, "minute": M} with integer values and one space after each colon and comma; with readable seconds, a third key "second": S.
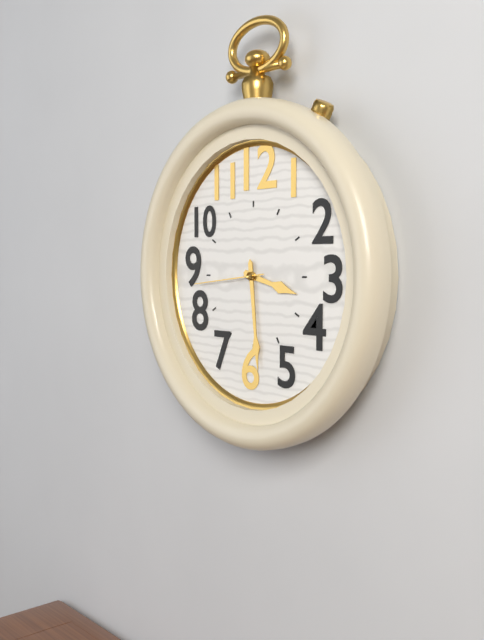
{"hour": 3, "minute": 29, "second": 44}
